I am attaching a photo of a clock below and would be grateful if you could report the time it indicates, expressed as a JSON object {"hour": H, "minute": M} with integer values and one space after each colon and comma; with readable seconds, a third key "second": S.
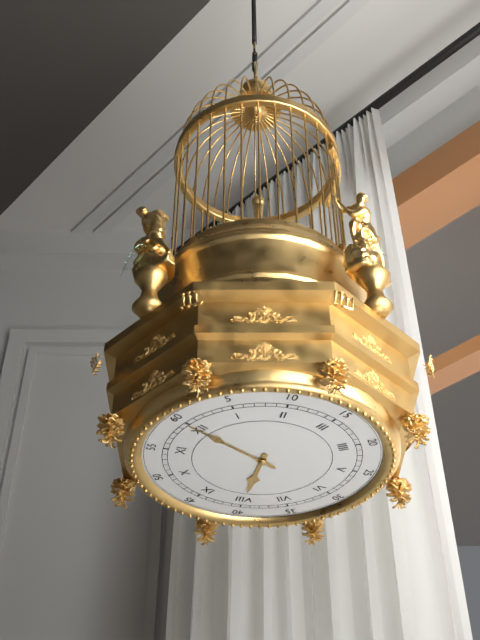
{"hour": 8, "minute": 0}
